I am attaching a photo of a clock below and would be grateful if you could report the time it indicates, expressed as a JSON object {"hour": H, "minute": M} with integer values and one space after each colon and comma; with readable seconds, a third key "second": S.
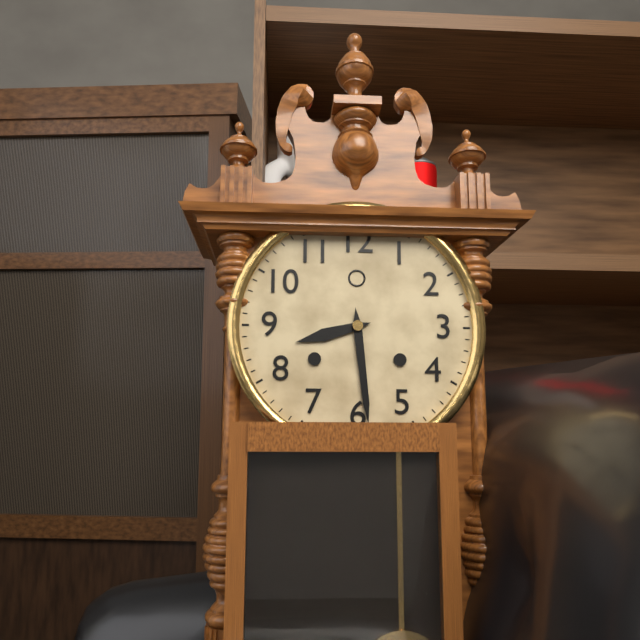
{"hour": 8, "minute": 29}
